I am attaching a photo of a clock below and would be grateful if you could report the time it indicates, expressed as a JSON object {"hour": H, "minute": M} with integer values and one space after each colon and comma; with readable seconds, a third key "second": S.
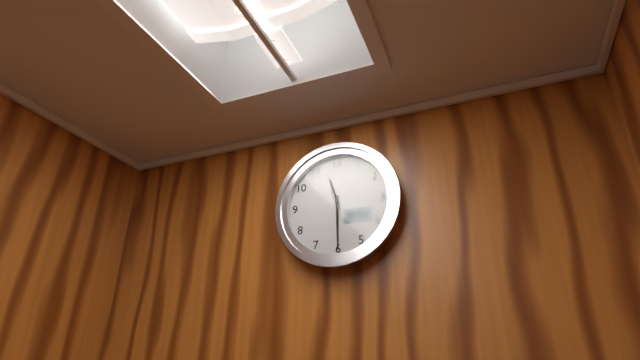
{"hour": 11, "minute": 30}
